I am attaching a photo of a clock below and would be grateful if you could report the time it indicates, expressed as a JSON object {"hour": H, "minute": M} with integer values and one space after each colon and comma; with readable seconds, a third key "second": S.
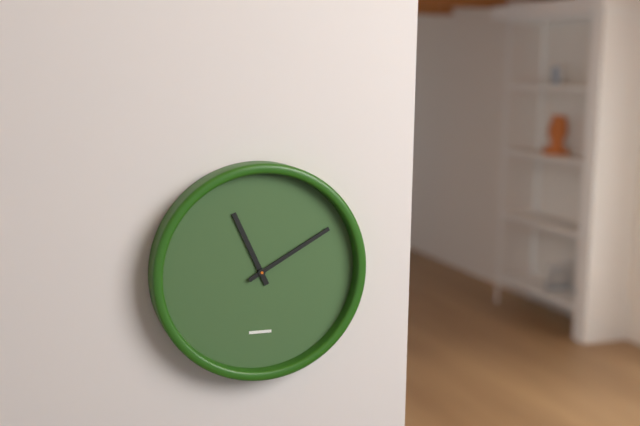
{"hour": 11, "minute": 10}
